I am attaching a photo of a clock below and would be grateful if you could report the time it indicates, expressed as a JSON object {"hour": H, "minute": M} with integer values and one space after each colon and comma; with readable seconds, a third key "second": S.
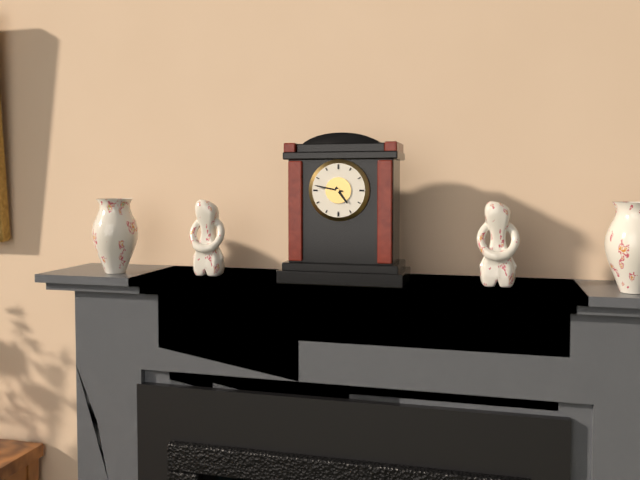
{"hour": 4, "minute": 47}
